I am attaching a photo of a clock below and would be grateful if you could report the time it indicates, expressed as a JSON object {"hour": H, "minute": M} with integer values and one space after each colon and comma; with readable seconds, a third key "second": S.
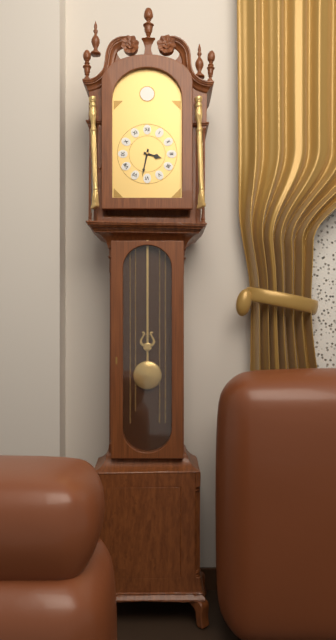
{"hour": 3, "minute": 32}
